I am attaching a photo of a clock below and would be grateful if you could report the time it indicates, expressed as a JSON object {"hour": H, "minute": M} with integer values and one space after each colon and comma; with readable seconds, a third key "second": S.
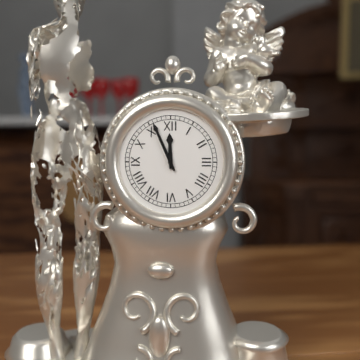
{"hour": 11, "minute": 56}
